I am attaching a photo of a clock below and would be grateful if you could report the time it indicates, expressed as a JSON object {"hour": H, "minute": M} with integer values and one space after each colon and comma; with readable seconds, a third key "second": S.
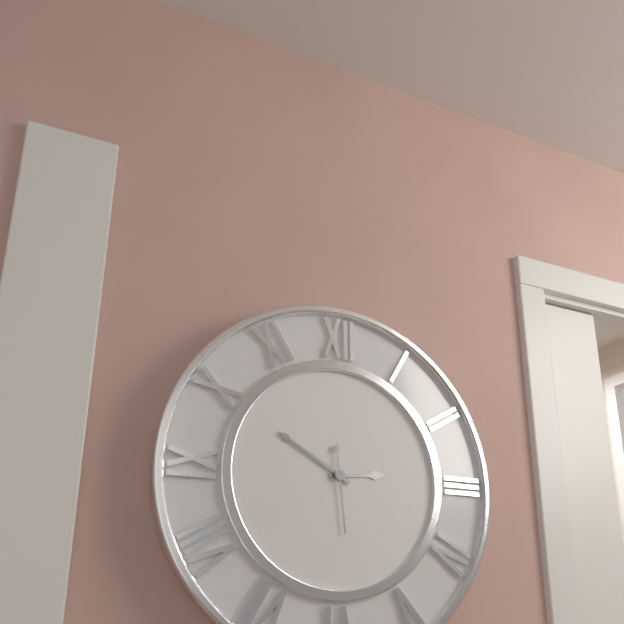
{"hour": 2, "minute": 50, "second": 29}
